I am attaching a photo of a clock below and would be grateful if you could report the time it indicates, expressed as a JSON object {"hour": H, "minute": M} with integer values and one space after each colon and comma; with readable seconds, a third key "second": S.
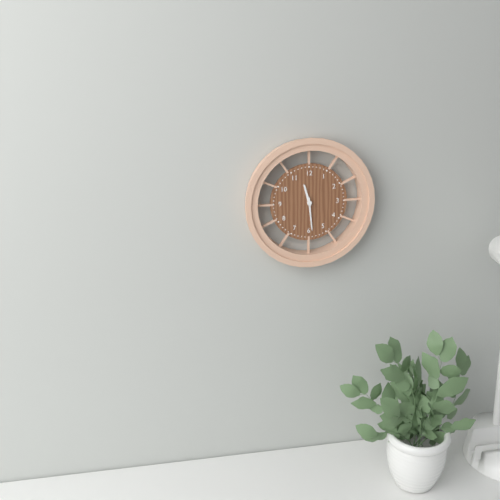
{"hour": 11, "minute": 29}
